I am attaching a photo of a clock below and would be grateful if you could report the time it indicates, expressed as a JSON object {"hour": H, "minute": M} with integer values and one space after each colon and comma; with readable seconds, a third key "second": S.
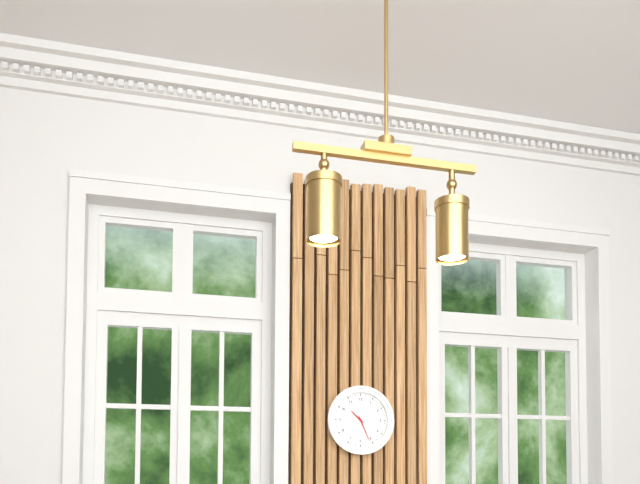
{"hour": 10, "minute": 26}
